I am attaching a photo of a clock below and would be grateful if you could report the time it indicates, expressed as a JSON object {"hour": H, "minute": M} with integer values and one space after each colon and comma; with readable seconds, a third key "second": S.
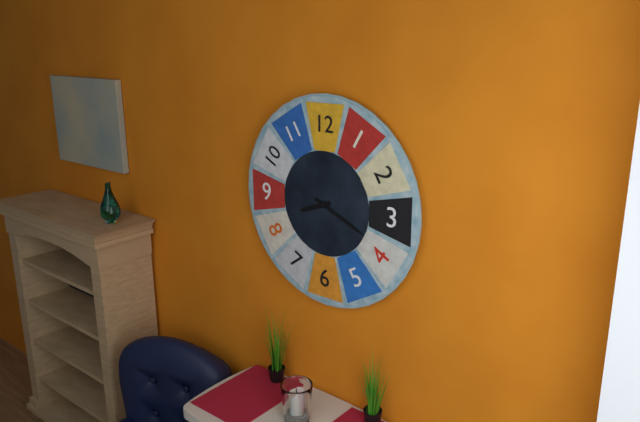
{"hour": 8, "minute": 19}
